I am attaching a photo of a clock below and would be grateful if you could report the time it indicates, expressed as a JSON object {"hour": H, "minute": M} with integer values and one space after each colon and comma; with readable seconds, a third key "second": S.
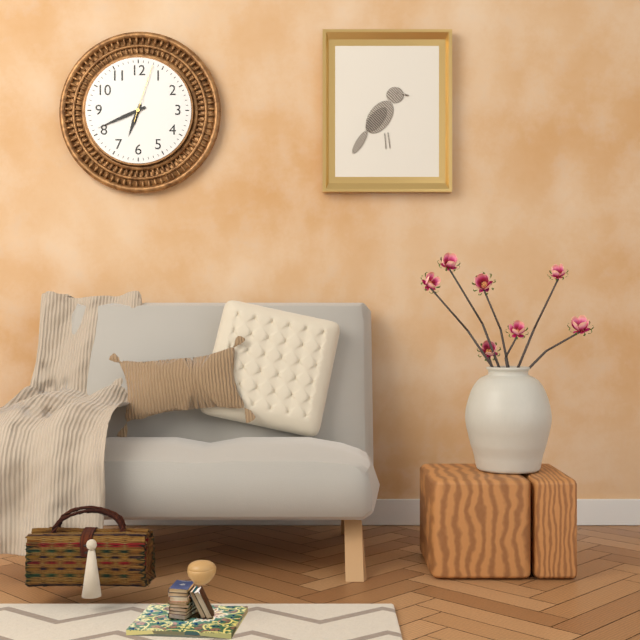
{"hour": 6, "minute": 41, "second": 3}
